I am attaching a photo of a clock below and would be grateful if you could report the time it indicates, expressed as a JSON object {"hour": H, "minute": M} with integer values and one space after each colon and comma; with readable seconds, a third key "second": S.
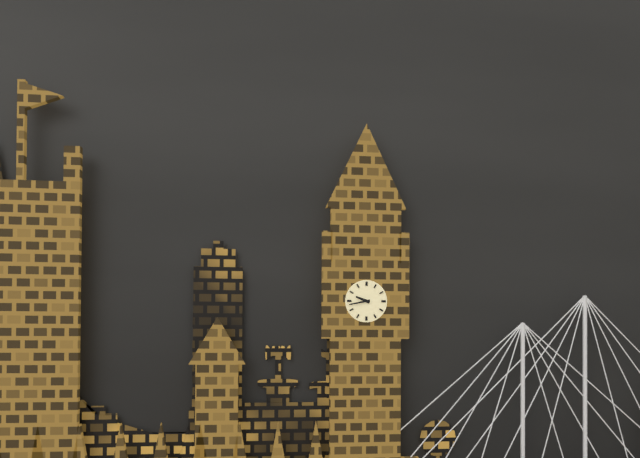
{"hour": 9, "minute": 43}
